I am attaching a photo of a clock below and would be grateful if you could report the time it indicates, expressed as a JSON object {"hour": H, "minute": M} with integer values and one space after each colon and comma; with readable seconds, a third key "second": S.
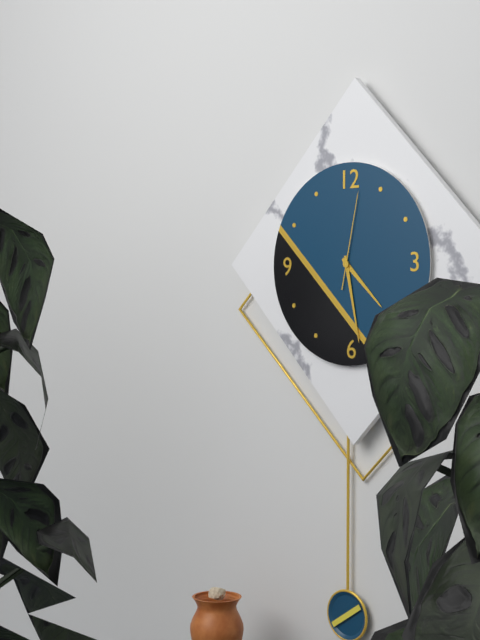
{"hour": 4, "minute": 28, "second": 2}
